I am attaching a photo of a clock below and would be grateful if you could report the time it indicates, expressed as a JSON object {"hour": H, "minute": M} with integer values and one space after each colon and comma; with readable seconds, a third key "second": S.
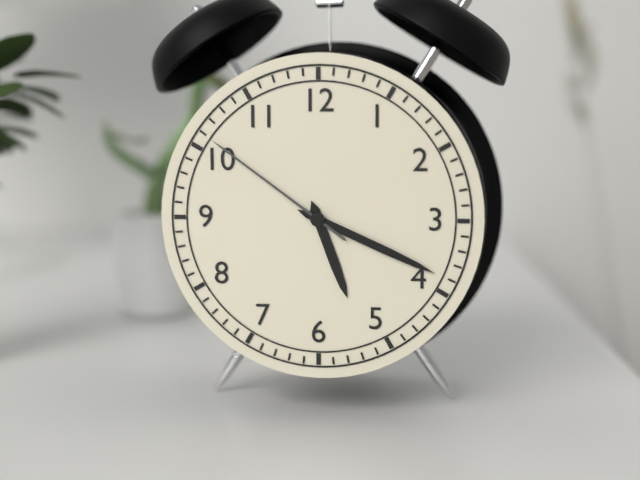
{"hour": 5, "minute": 19, "second": 51}
